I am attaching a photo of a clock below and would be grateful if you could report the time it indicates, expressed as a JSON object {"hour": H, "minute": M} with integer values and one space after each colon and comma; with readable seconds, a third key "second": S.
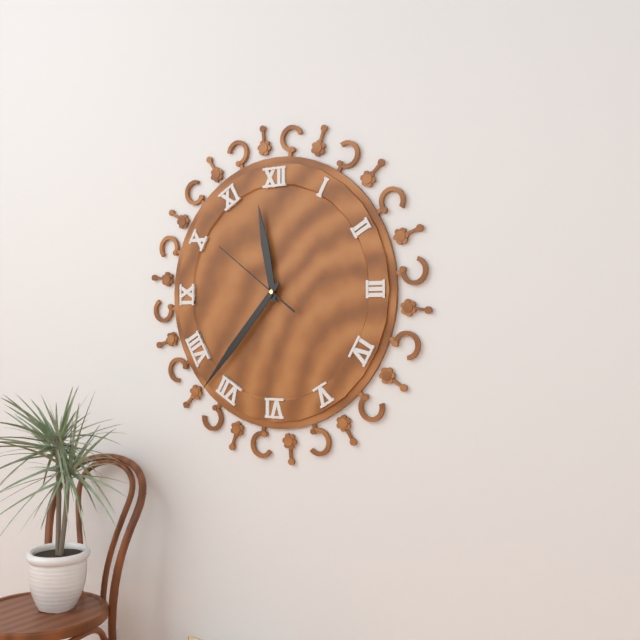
{"hour": 11, "minute": 37, "second": 51}
